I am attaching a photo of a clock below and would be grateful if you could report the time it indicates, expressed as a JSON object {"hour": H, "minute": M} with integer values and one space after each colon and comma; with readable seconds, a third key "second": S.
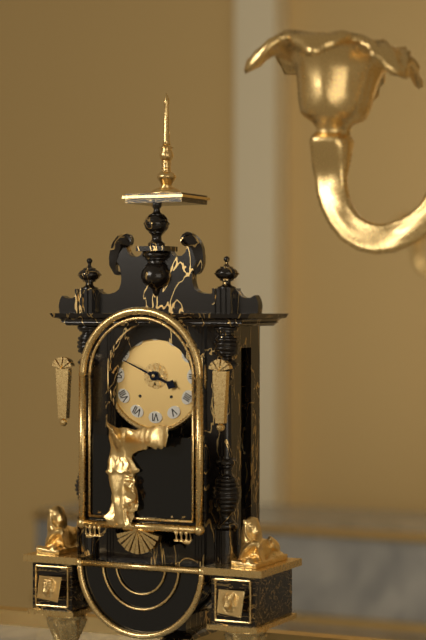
{"hour": 3, "minute": 49}
